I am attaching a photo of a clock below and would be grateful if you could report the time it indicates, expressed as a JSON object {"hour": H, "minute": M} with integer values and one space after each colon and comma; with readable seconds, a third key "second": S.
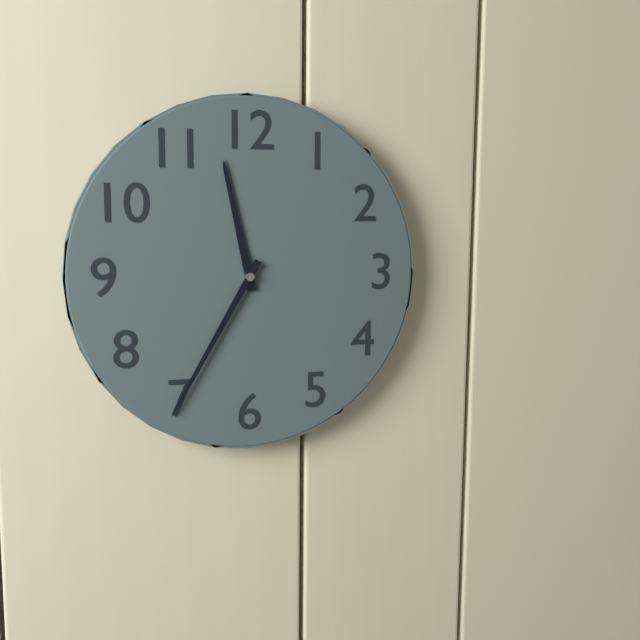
{"hour": 11, "minute": 35}
